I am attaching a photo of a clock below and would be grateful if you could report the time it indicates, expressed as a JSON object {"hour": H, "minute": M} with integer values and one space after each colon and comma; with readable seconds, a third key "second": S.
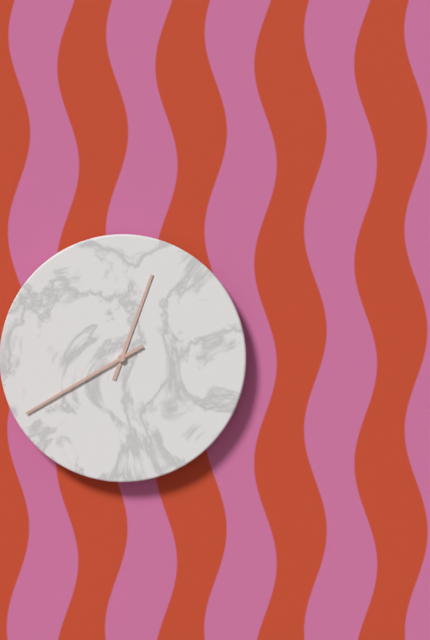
{"hour": 12, "minute": 40}
